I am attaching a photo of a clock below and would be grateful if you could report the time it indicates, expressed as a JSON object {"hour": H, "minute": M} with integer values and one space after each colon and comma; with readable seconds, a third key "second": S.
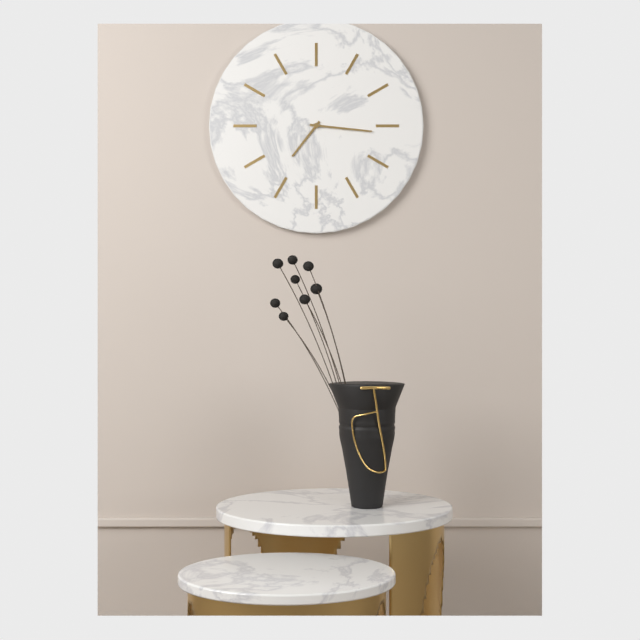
{"hour": 7, "minute": 16}
